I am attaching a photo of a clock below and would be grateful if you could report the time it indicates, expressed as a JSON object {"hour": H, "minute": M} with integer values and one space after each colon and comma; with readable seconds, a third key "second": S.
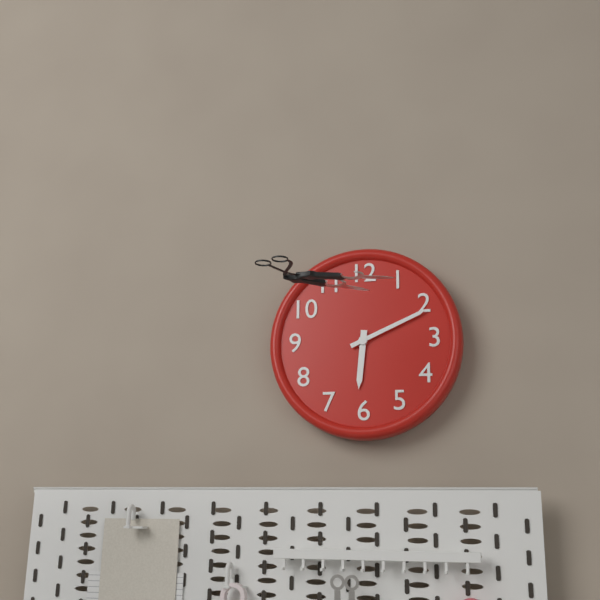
{"hour": 6, "minute": 11}
